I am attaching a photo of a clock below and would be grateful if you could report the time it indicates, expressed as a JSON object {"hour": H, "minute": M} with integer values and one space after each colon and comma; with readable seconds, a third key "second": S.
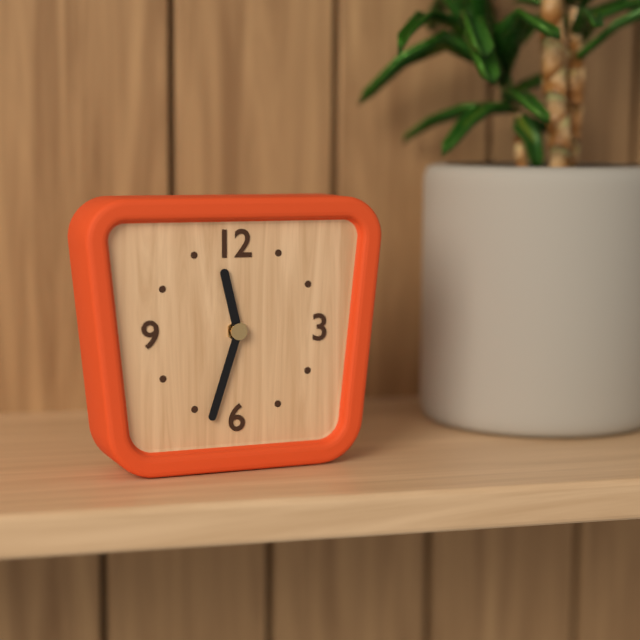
{"hour": 11, "minute": 33}
